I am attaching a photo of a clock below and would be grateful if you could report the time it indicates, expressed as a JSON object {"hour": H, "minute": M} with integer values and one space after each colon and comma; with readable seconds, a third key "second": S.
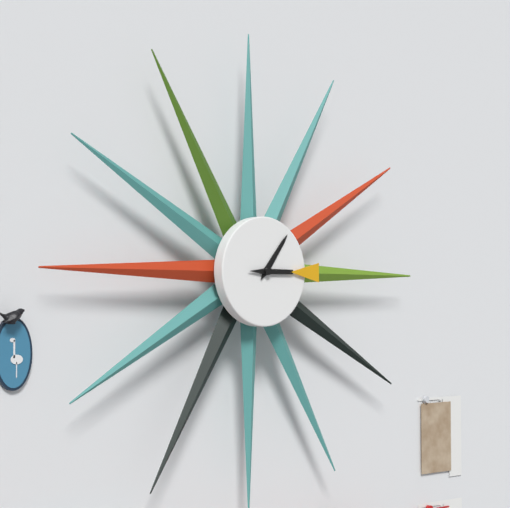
{"hour": 1, "minute": 15}
